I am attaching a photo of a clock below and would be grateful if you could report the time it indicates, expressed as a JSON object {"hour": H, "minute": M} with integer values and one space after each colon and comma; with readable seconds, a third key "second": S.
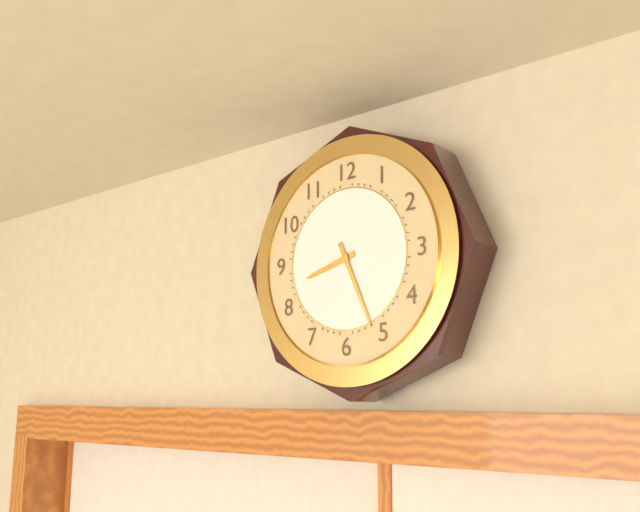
{"hour": 8, "minute": 26}
